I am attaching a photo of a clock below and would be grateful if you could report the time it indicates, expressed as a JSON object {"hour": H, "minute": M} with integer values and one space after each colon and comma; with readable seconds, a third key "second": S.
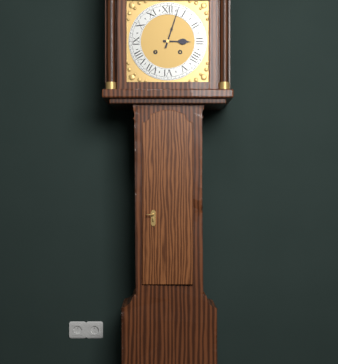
{"hour": 3, "minute": 3}
